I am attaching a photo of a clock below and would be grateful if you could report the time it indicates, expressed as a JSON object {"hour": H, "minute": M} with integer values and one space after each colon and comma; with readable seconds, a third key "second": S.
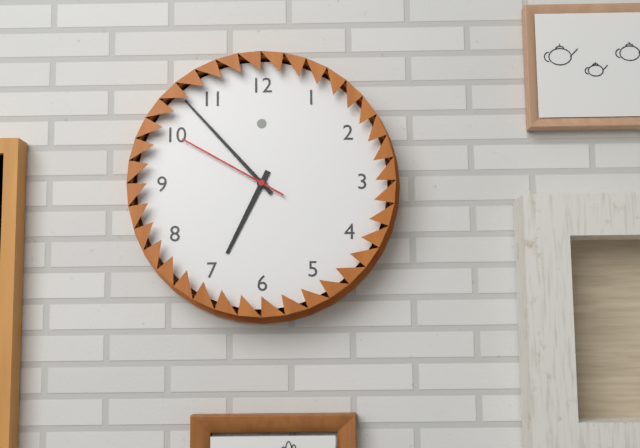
{"hour": 6, "minute": 53, "second": 50}
